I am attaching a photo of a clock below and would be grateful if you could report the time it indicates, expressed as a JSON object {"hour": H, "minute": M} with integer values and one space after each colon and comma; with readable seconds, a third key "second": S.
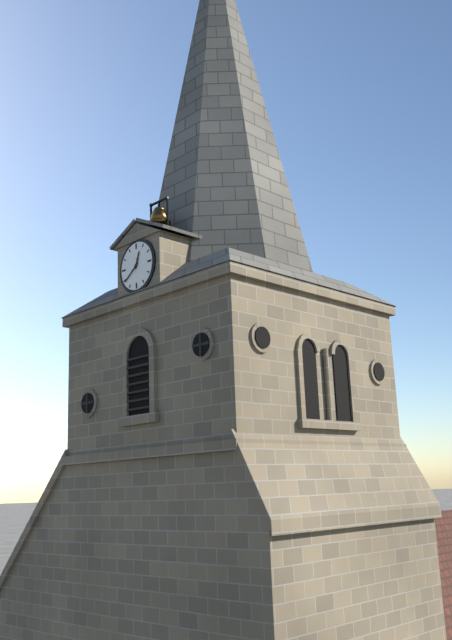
{"hour": 12, "minute": 39}
